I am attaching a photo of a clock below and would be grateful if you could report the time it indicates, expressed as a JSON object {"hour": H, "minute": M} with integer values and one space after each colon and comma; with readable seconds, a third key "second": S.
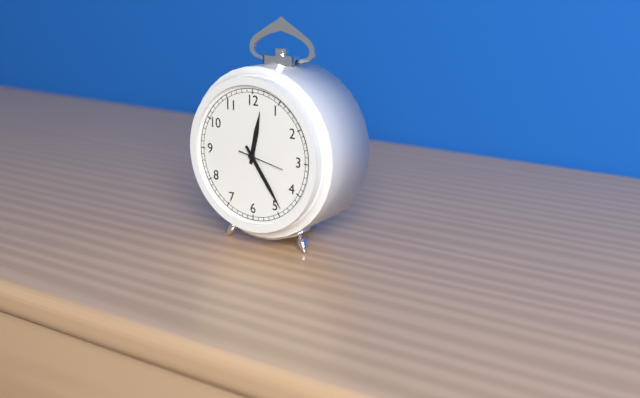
{"hour": 12, "minute": 24}
